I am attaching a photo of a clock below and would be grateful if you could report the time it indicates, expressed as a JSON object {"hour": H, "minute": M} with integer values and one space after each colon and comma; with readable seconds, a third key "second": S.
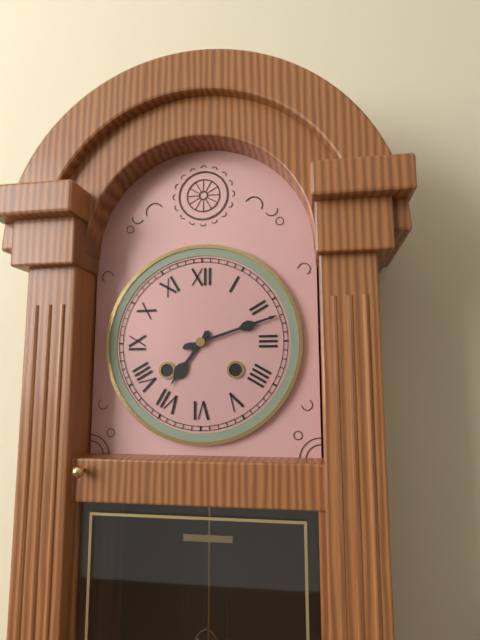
{"hour": 7, "minute": 12}
